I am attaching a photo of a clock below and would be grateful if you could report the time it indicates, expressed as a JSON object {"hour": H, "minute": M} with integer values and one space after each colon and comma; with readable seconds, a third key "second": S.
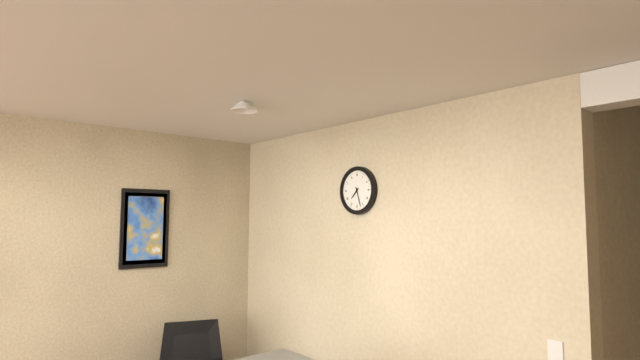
{"hour": 7, "minute": 27}
